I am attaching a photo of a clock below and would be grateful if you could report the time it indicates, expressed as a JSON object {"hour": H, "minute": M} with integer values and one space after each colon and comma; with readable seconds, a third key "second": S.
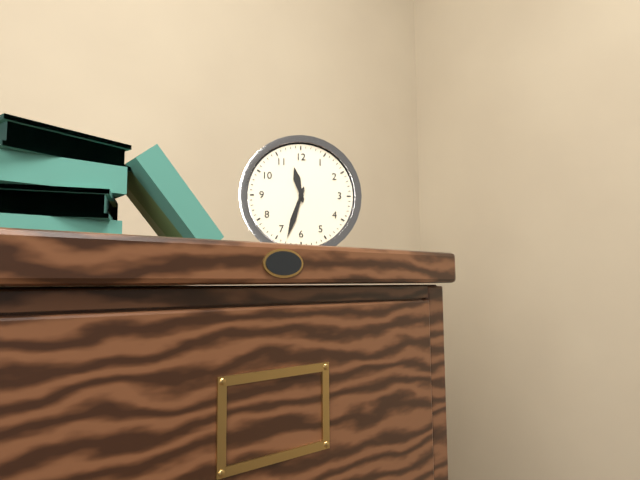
{"hour": 11, "minute": 33}
